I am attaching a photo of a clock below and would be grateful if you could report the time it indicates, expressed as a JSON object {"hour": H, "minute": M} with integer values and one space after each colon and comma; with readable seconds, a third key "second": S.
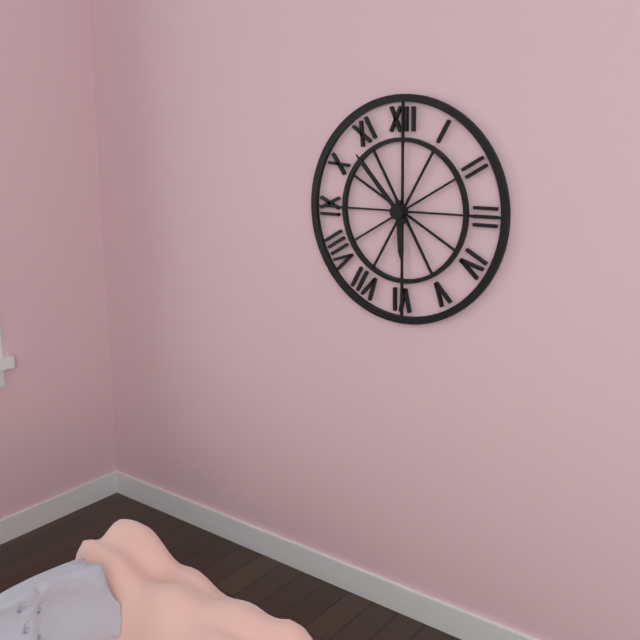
{"hour": 5, "minute": 53}
